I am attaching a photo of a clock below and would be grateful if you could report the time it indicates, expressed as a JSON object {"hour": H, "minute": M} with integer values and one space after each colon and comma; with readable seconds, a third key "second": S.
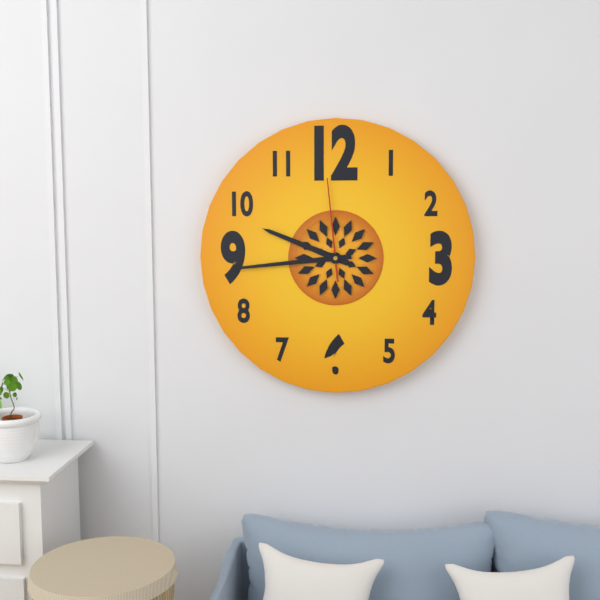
{"hour": 9, "minute": 44, "second": 59}
